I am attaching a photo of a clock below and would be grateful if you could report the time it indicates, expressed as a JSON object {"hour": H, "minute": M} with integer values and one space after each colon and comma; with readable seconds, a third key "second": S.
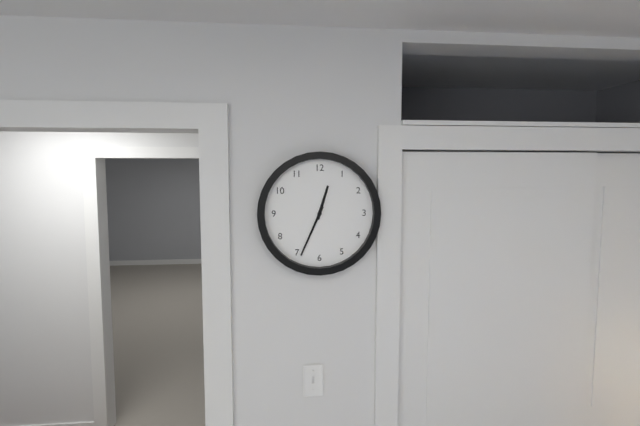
{"hour": 12, "minute": 34}
